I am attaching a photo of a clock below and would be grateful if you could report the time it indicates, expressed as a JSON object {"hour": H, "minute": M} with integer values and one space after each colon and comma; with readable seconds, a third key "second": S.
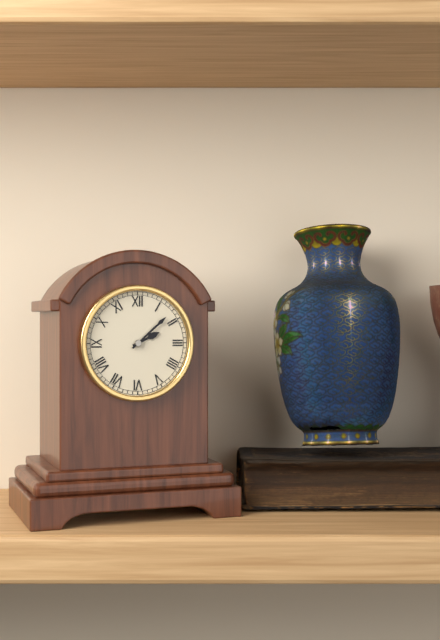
{"hour": 2, "minute": 8}
